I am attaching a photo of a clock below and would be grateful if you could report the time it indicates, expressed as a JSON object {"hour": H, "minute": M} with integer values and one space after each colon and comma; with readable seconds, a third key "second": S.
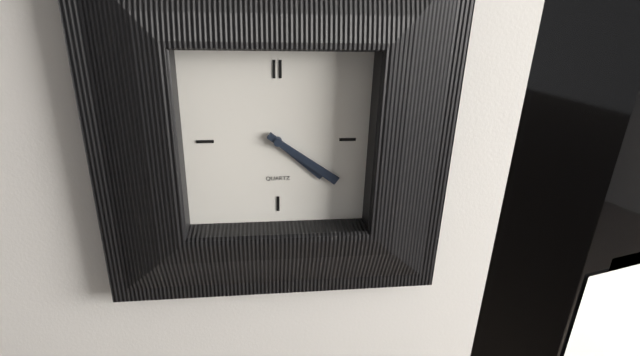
{"hour": 4, "minute": 21}
